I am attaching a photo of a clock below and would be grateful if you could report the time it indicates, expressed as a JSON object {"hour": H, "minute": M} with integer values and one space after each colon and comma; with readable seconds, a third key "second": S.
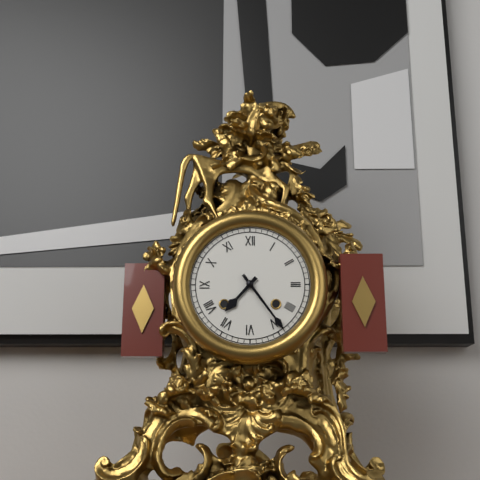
{"hour": 7, "minute": 24}
